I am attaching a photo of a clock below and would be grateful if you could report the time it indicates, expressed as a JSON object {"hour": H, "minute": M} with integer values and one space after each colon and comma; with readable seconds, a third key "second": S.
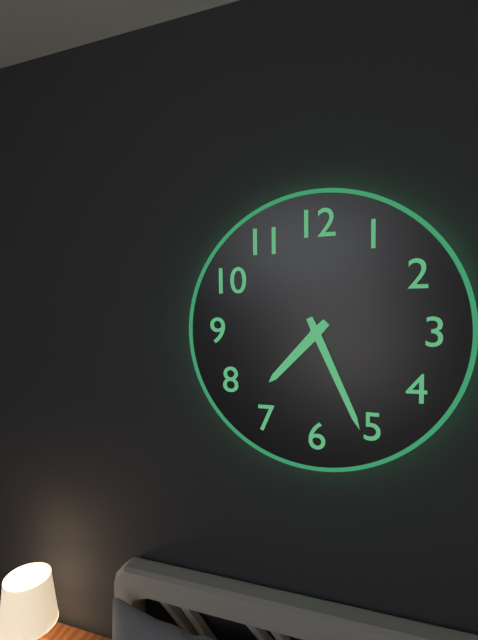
{"hour": 7, "minute": 26}
